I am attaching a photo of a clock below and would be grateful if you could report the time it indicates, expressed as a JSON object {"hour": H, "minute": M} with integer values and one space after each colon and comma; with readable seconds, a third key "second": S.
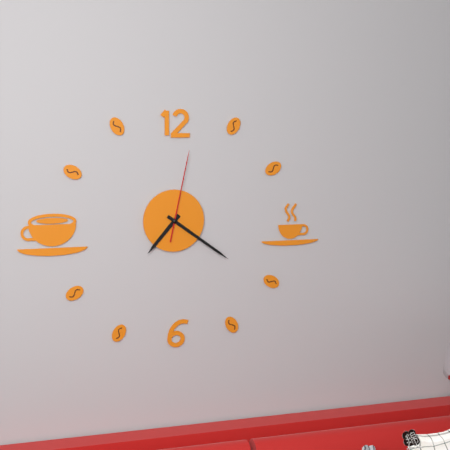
{"hour": 7, "minute": 21, "second": 2}
